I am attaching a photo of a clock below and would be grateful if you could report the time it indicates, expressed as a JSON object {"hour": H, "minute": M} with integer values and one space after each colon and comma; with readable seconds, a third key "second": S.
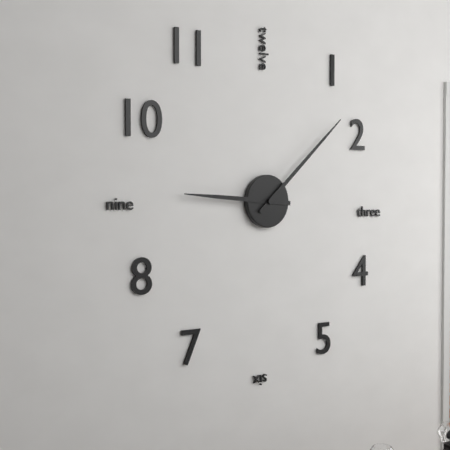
{"hour": 9, "minute": 8}
